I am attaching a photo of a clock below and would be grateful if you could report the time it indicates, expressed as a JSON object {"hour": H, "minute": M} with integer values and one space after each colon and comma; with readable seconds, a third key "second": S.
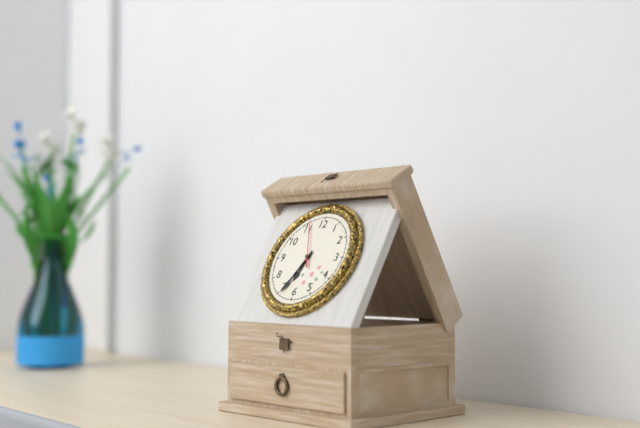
{"hour": 6, "minute": 34}
